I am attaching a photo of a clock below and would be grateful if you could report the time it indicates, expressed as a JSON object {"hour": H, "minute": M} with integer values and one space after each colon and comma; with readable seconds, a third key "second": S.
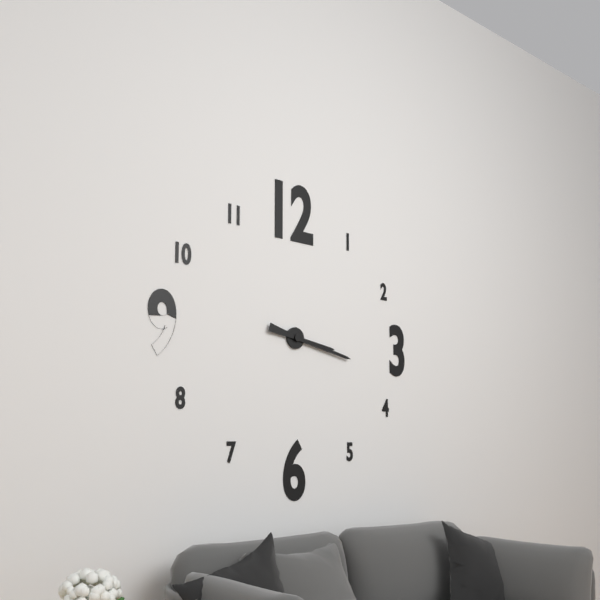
{"hour": 3, "minute": 17}
